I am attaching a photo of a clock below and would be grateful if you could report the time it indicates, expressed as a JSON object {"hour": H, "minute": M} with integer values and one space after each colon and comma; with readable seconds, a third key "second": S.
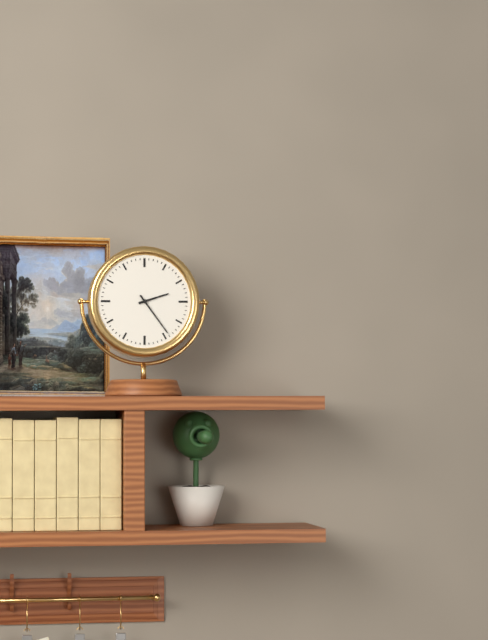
{"hour": 2, "minute": 24}
